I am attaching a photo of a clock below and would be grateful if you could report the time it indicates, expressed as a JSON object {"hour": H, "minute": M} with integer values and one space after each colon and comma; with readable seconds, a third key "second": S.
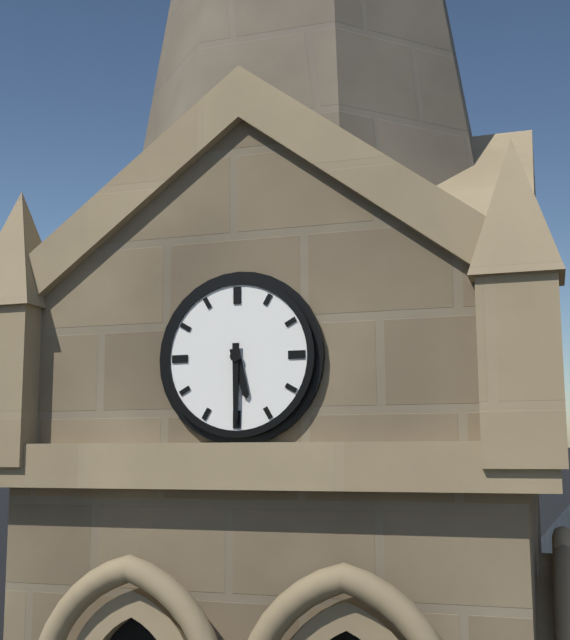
{"hour": 5, "minute": 30}
